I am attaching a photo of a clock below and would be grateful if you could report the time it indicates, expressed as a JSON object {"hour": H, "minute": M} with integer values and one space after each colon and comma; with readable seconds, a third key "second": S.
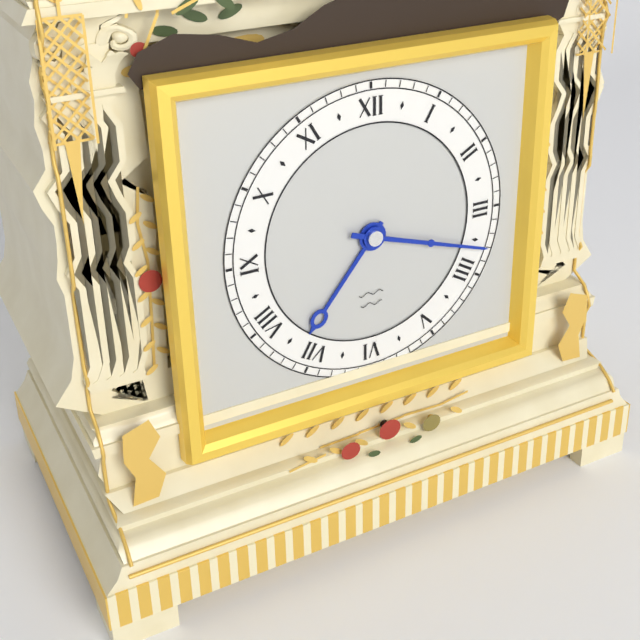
{"hour": 7, "minute": 18}
